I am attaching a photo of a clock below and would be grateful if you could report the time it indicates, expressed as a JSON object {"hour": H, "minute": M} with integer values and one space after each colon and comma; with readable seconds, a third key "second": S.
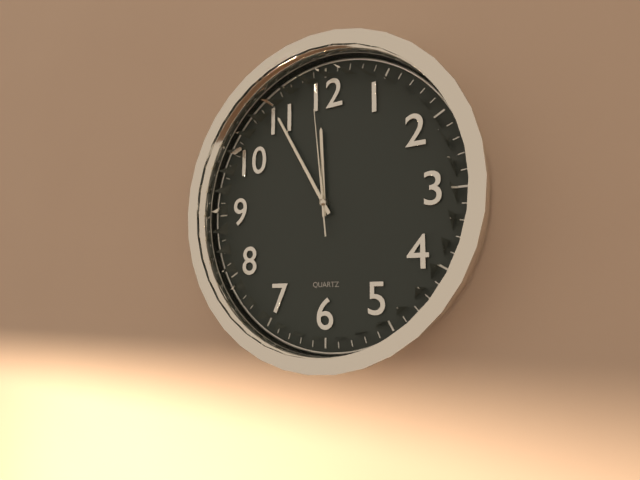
{"hour": 11, "minute": 55, "second": 59}
